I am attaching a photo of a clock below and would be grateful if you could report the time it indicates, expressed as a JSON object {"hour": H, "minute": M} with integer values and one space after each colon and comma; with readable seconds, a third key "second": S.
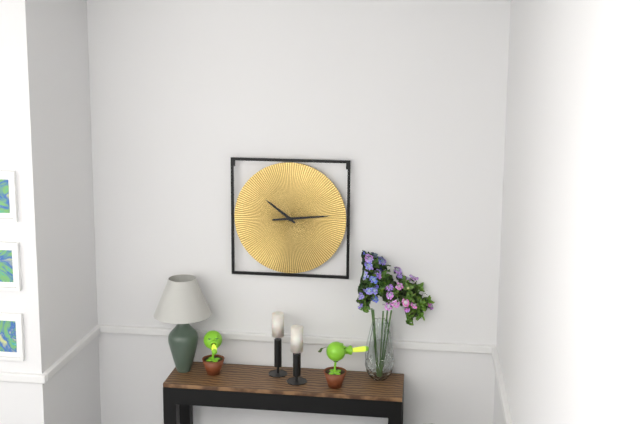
{"hour": 10, "minute": 14}
